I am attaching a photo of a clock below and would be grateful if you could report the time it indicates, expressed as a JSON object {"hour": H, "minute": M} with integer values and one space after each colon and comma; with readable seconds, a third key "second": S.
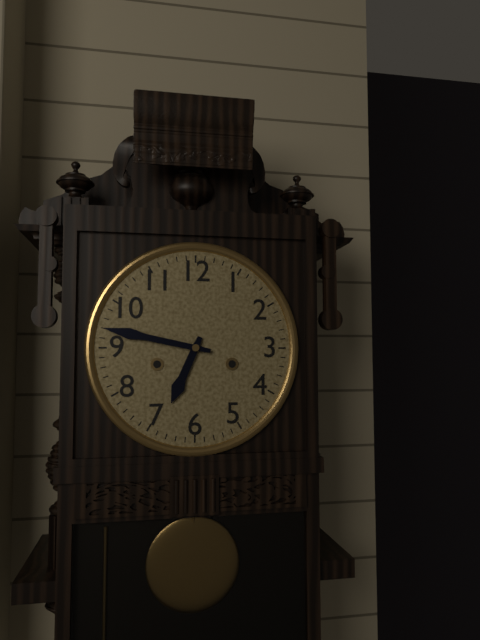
{"hour": 6, "minute": 47}
